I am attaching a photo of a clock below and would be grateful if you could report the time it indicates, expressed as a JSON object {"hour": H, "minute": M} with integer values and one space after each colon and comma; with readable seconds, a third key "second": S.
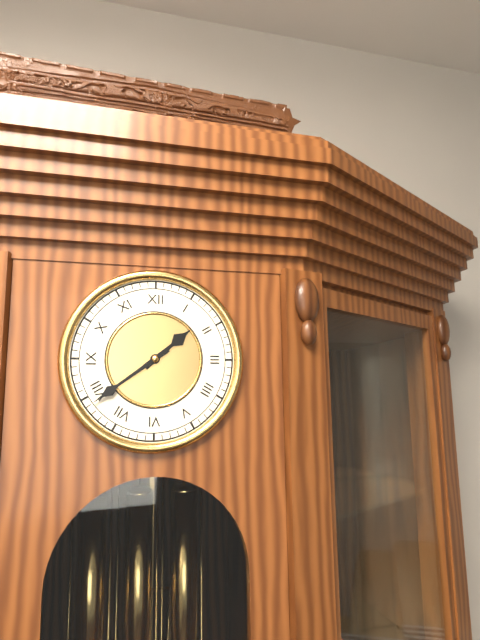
{"hour": 1, "minute": 39}
